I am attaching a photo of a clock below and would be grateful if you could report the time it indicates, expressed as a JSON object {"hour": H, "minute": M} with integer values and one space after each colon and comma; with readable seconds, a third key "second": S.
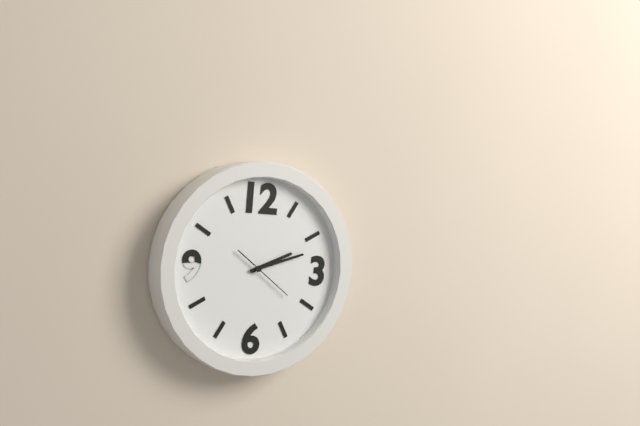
{"hour": 2, "minute": 12, "second": 21}
